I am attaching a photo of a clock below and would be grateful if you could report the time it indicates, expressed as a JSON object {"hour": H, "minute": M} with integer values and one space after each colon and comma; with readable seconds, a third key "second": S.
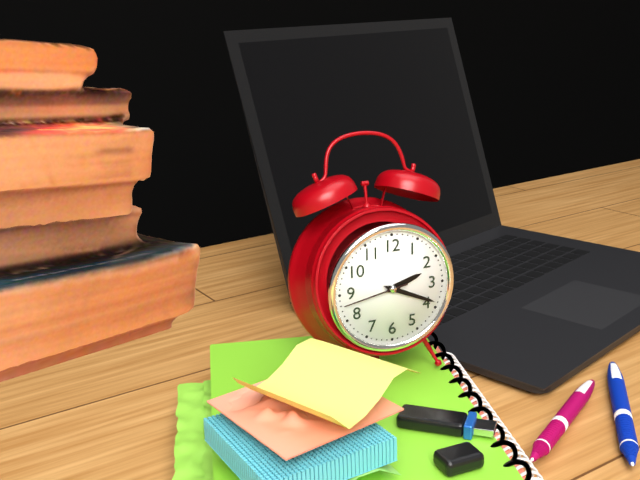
{"hour": 2, "minute": 19, "second": 43}
